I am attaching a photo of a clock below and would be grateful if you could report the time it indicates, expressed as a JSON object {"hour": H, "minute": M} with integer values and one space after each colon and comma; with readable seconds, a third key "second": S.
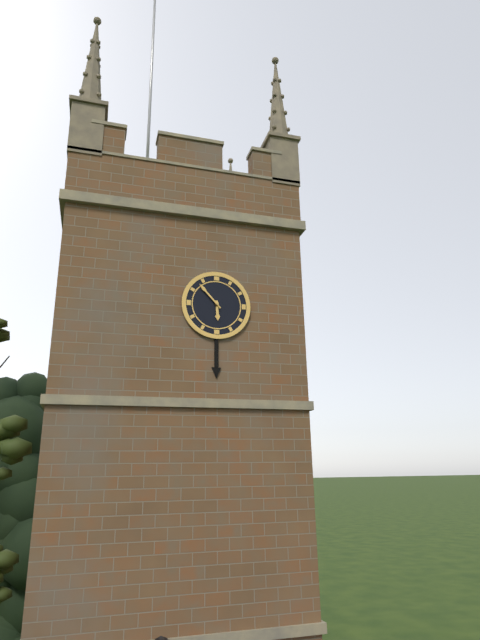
{"hour": 5, "minute": 53}
